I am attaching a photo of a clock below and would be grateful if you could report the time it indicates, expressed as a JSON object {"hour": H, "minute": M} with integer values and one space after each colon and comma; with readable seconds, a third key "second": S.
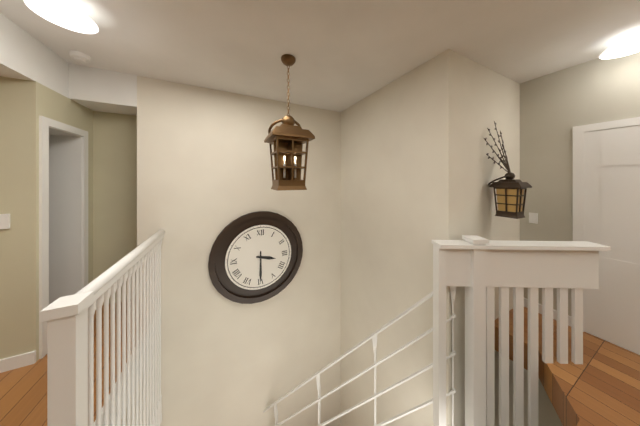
{"hour": 3, "minute": 30}
